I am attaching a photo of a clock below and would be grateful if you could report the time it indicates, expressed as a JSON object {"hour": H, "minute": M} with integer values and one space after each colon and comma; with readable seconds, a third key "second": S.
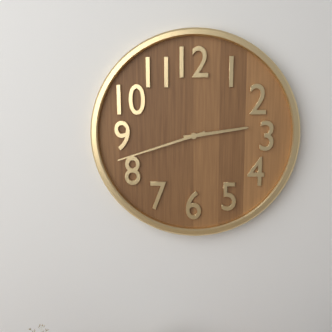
{"hour": 2, "minute": 42}
